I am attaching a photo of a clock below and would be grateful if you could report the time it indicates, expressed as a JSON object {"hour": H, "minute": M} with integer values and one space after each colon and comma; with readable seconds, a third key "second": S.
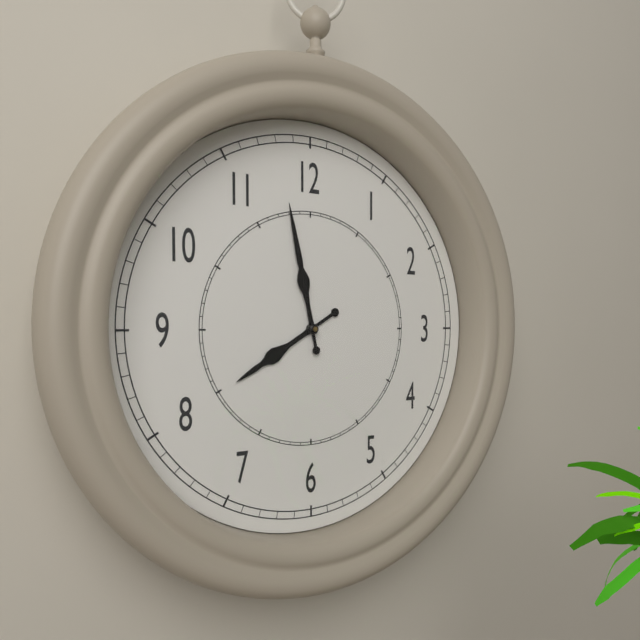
{"hour": 7, "minute": 58}
